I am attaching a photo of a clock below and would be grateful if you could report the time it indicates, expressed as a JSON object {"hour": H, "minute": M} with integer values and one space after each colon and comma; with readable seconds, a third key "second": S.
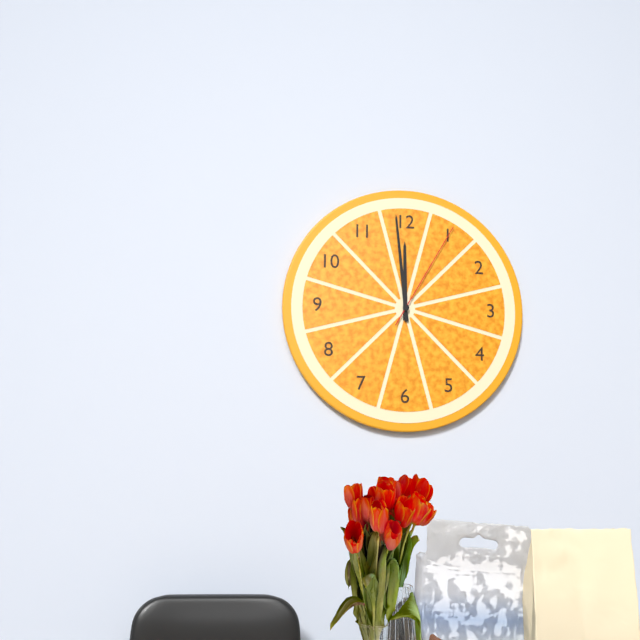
{"hour": 11, "minute": 59, "second": 5}
